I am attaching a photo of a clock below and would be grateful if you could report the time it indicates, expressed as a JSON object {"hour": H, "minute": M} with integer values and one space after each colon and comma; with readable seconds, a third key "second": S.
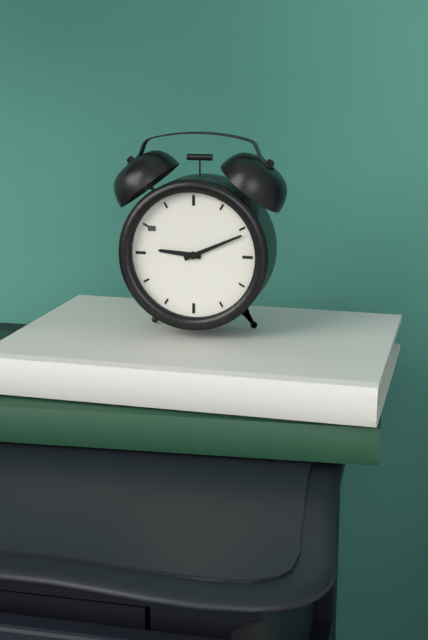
{"hour": 9, "minute": 11}
